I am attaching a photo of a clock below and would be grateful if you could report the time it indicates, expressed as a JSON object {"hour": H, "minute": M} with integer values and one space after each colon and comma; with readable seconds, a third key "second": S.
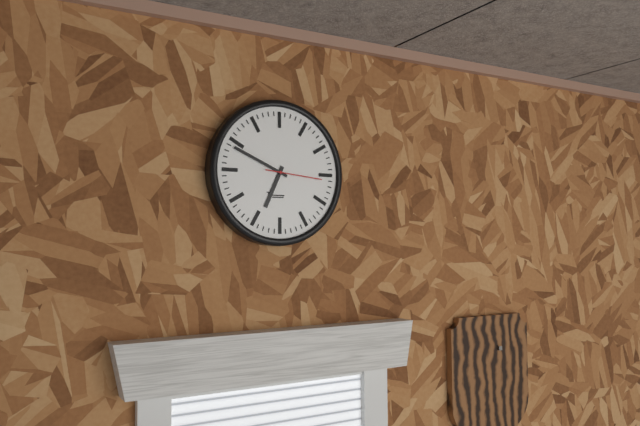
{"hour": 6, "minute": 49, "second": 16}
